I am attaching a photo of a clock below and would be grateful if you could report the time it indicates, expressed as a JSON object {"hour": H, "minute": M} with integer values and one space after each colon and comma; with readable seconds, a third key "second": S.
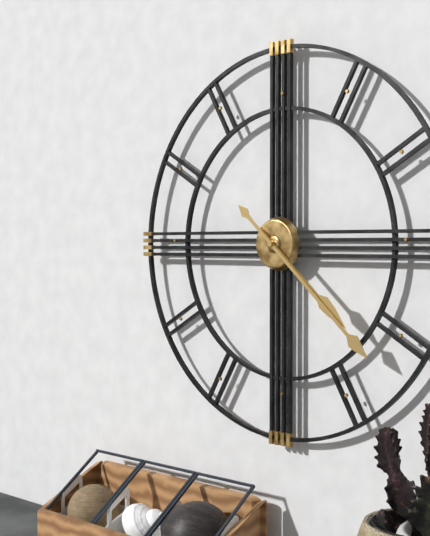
{"hour": 4, "minute": 22}
